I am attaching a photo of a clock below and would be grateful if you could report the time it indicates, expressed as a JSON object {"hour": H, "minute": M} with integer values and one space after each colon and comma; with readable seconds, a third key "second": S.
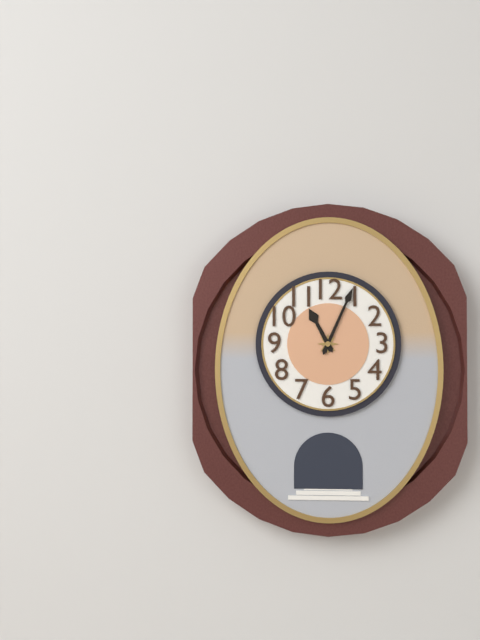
{"hour": 11, "minute": 4}
